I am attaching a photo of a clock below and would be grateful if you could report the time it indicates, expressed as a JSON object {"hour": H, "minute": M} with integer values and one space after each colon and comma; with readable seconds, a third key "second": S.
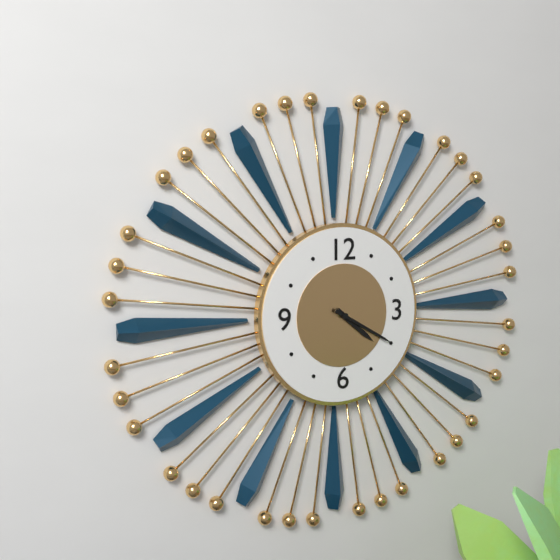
{"hour": 4, "minute": 20}
